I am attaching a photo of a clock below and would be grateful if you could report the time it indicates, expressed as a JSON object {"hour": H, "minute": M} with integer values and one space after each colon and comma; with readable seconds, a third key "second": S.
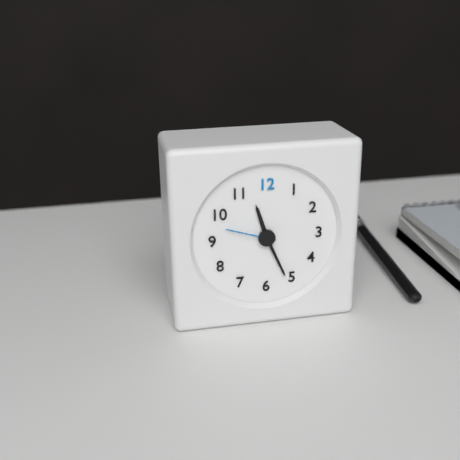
{"hour": 11, "minute": 26}
